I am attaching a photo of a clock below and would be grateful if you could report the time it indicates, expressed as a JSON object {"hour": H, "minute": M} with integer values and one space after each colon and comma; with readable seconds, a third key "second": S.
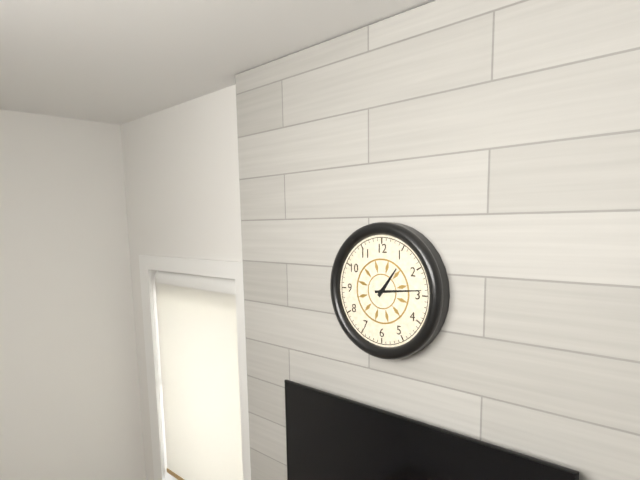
{"hour": 1, "minute": 14}
